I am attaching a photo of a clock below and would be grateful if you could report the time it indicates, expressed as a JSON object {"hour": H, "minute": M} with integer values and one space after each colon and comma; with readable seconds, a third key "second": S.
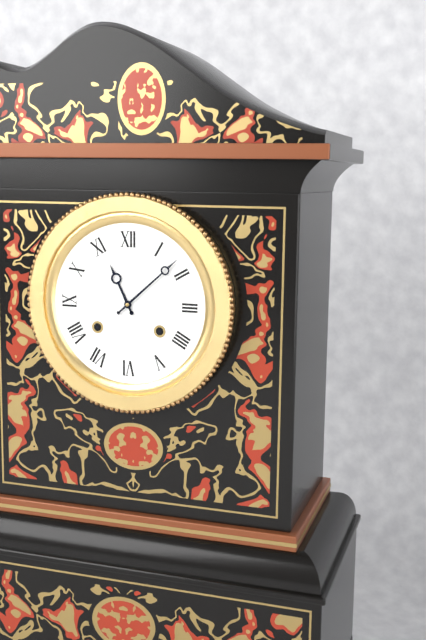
{"hour": 11, "minute": 8}
